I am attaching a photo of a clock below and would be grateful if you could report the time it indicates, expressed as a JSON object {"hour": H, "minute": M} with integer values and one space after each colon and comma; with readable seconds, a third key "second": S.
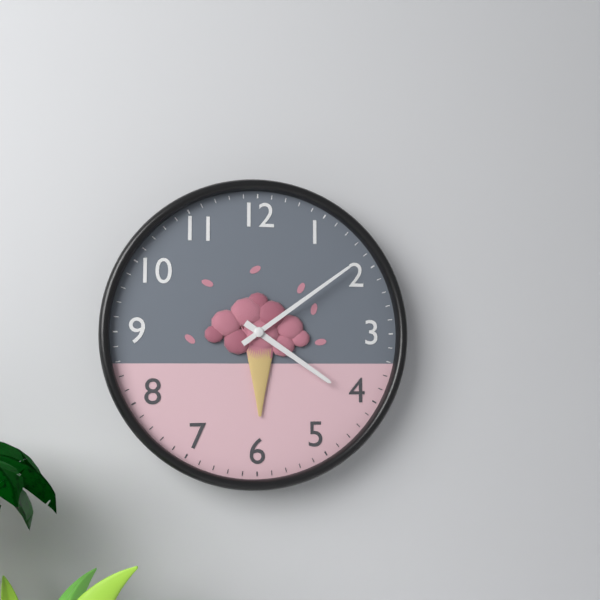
{"hour": 4, "minute": 9}
